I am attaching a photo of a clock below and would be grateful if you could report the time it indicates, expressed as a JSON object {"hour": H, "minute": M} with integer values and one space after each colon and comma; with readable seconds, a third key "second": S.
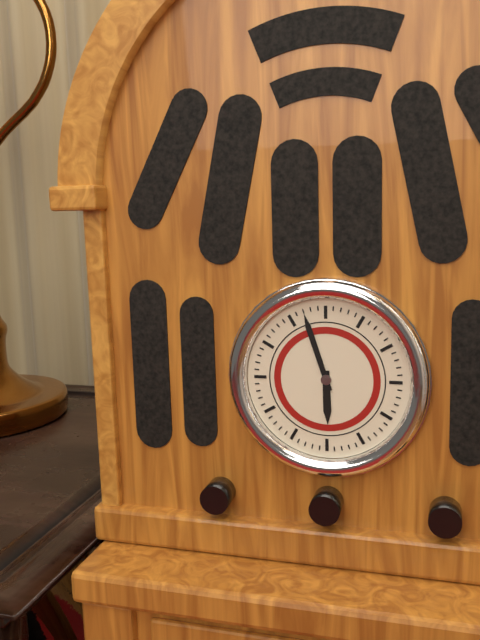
{"hour": 5, "minute": 57}
